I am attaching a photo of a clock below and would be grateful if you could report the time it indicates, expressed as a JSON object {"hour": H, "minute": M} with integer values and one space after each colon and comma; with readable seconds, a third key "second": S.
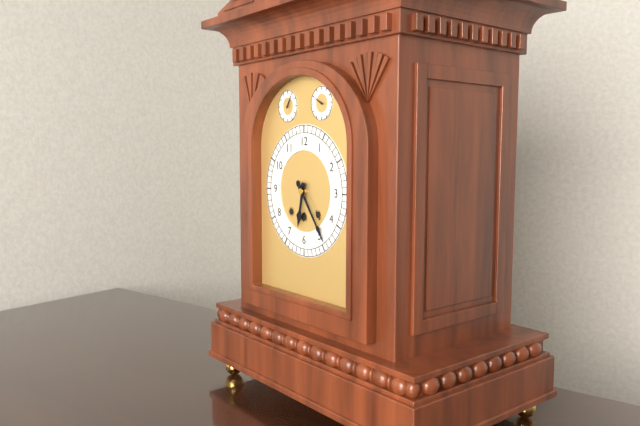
{"hour": 6, "minute": 24}
